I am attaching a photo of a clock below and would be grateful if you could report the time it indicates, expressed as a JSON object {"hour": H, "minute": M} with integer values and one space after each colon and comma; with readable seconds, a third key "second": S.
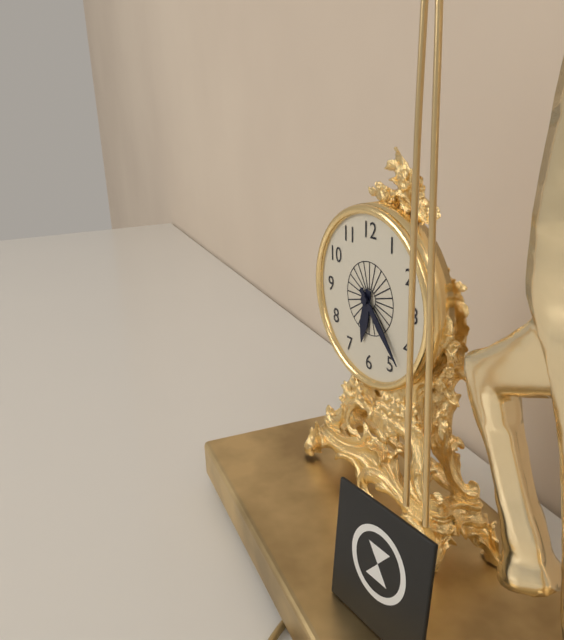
{"hour": 6, "minute": 23}
